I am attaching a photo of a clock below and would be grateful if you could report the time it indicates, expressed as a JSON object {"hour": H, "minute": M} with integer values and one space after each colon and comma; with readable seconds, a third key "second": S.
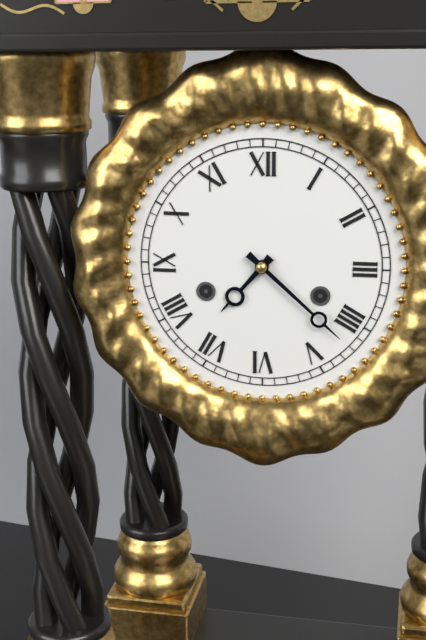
{"hour": 7, "minute": 22}
